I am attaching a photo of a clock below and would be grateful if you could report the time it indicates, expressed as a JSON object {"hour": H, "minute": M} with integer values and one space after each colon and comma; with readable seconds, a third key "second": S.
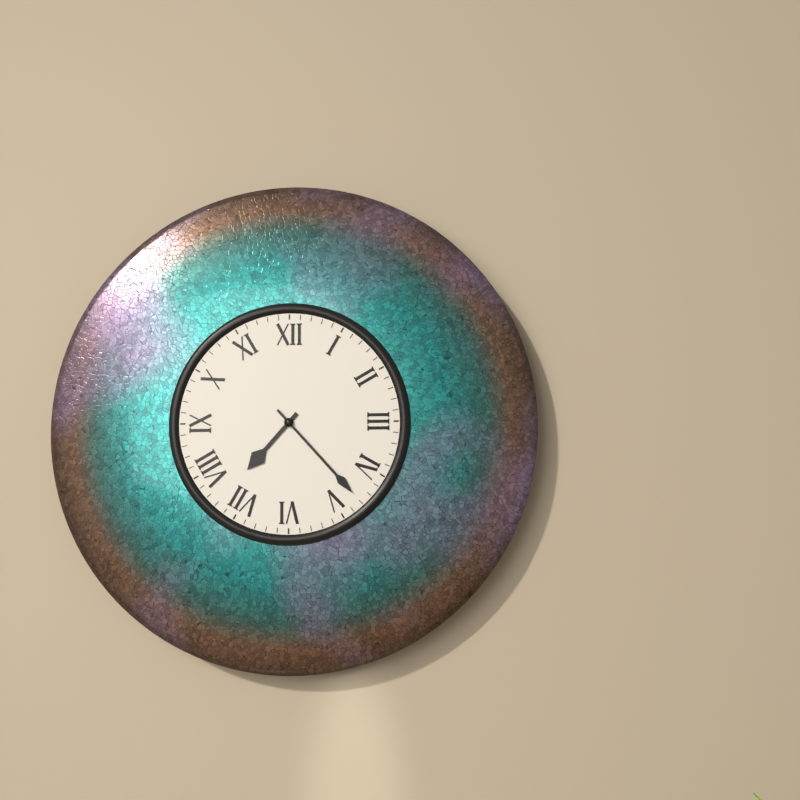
{"hour": 7, "minute": 23}
